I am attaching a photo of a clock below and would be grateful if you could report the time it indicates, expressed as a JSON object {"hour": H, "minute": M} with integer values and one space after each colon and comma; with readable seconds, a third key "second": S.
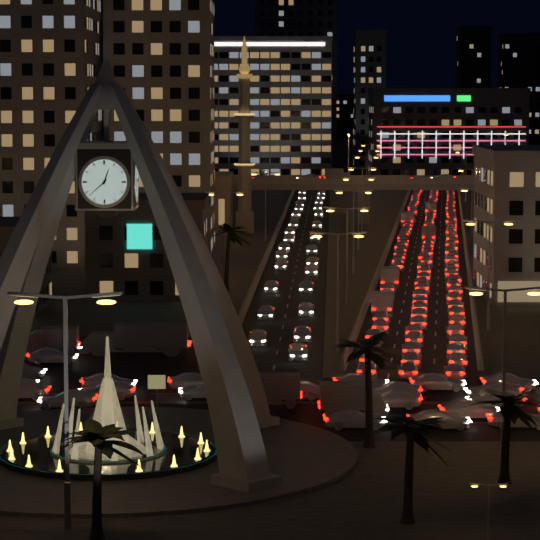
{"hour": 12, "minute": 38}
